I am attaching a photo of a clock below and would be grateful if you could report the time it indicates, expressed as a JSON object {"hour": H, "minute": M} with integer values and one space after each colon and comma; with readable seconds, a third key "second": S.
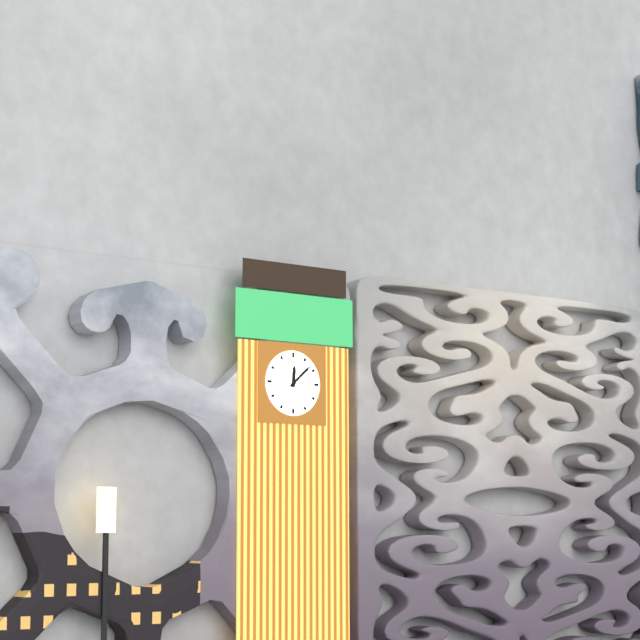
{"hour": 12, "minute": 8}
